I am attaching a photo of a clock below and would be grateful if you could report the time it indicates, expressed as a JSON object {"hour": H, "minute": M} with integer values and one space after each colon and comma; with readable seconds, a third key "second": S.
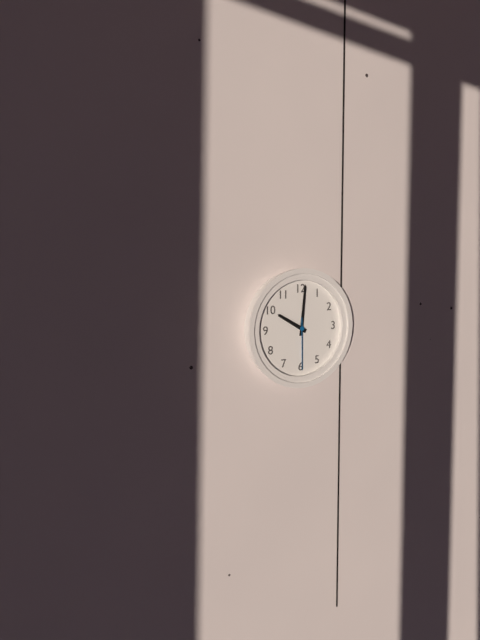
{"hour": 10, "minute": 1, "second": 30}
